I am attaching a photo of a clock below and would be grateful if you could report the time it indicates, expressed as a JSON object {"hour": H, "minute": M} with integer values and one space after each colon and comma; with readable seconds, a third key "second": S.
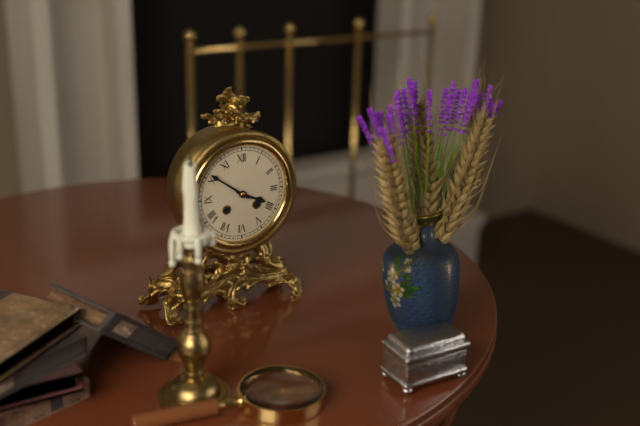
{"hour": 3, "minute": 51}
